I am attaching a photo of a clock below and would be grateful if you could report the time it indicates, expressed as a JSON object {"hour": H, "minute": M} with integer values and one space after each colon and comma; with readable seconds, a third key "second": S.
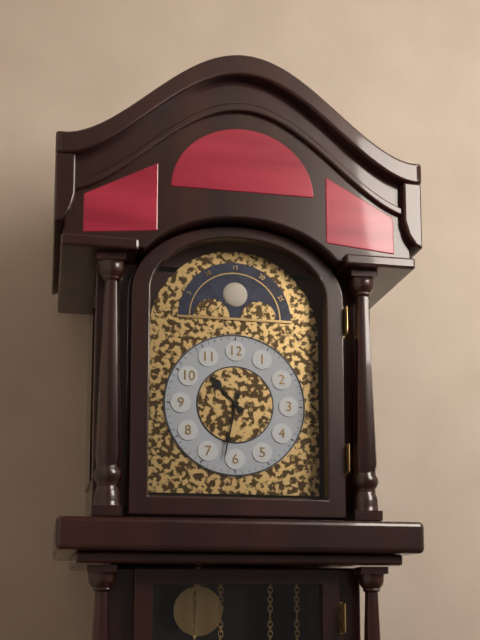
{"hour": 10, "minute": 32}
